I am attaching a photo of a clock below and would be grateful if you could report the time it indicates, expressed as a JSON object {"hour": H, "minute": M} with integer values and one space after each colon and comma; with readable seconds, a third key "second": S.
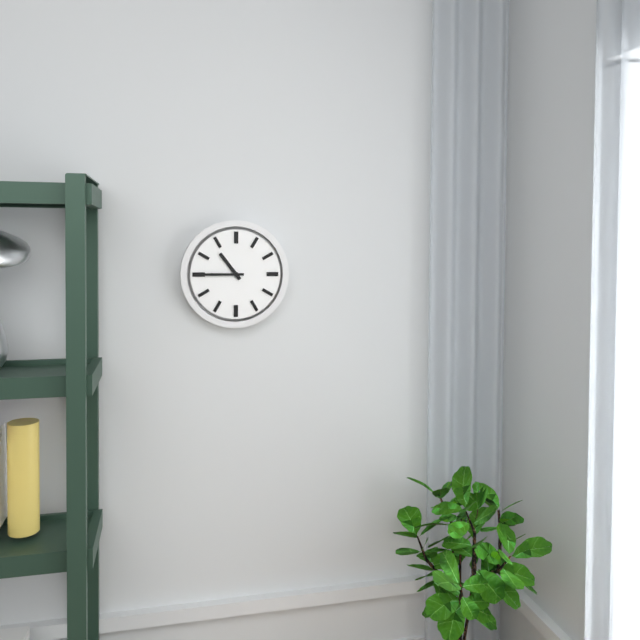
{"hour": 10, "minute": 45}
